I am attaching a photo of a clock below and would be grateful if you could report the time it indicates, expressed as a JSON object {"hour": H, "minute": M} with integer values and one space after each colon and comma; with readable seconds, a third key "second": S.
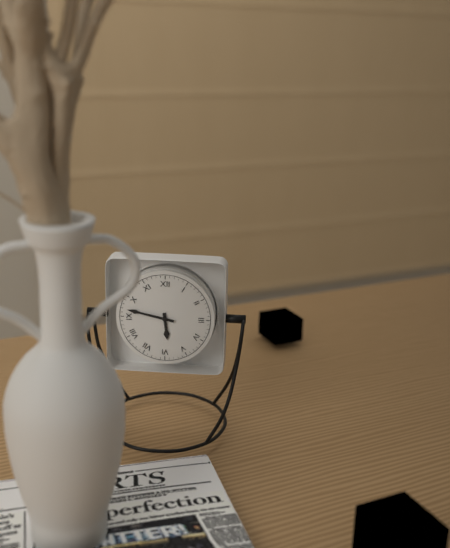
{"hour": 5, "minute": 47}
